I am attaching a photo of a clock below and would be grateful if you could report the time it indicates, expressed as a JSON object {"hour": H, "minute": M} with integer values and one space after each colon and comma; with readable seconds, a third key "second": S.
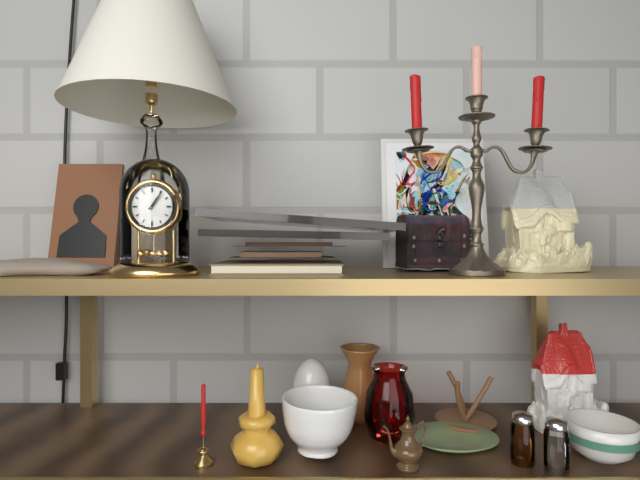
{"hour": 1, "minute": 6}
